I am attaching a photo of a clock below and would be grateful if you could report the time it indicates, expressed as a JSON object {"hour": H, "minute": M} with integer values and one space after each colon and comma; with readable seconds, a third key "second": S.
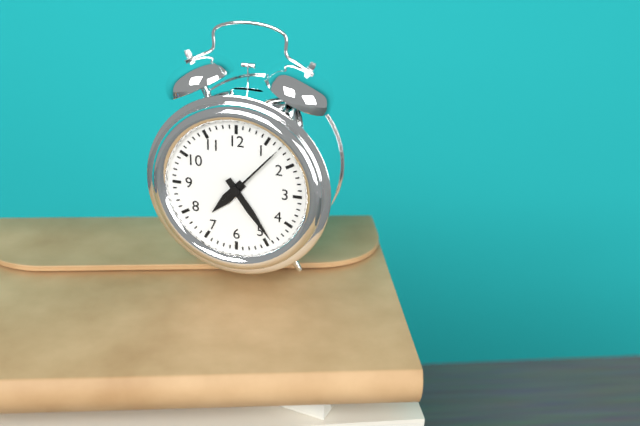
{"hour": 7, "minute": 24, "second": 7}
